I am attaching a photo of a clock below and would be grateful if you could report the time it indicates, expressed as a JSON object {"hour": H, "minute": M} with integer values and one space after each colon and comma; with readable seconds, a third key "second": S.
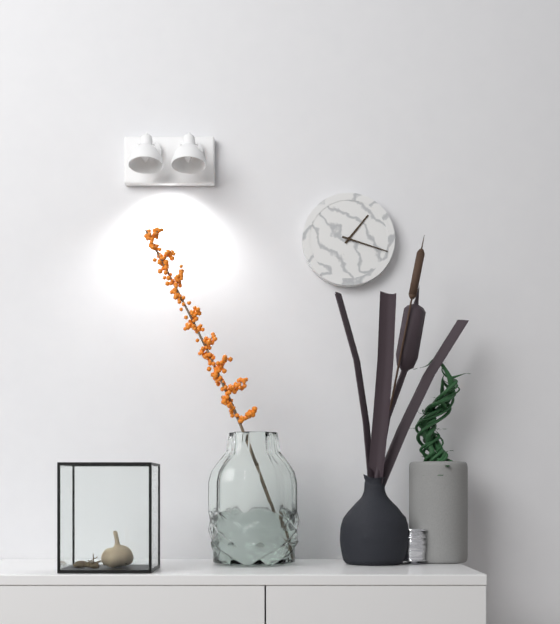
{"hour": 1, "minute": 18}
